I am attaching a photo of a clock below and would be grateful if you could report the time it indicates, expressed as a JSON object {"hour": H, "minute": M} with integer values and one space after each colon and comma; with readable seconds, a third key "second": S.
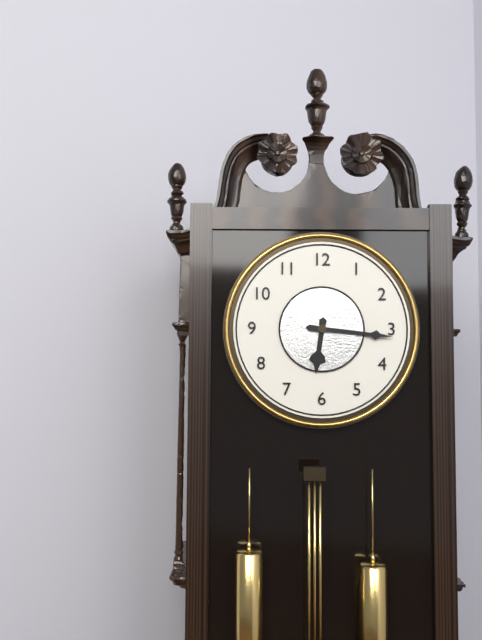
{"hour": 6, "minute": 16}
